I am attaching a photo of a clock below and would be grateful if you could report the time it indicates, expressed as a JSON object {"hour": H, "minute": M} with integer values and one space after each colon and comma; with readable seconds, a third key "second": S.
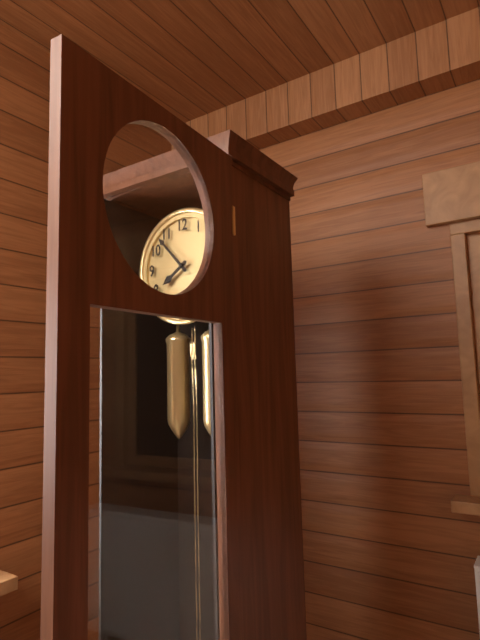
{"hour": 7, "minute": 53}
